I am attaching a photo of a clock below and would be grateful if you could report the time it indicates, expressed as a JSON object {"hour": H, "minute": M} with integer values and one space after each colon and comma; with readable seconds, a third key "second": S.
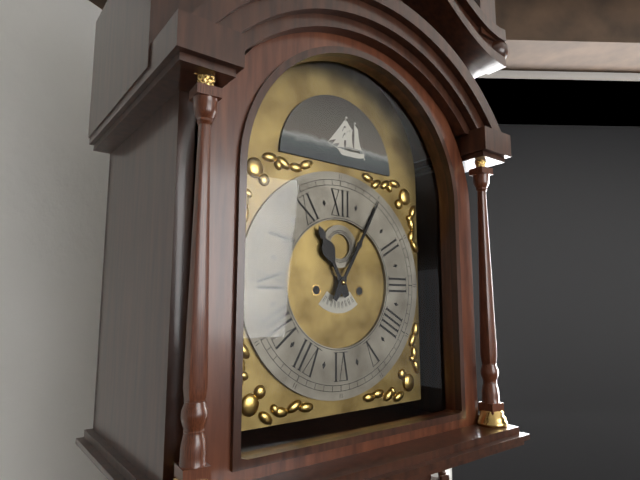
{"hour": 11, "minute": 5}
